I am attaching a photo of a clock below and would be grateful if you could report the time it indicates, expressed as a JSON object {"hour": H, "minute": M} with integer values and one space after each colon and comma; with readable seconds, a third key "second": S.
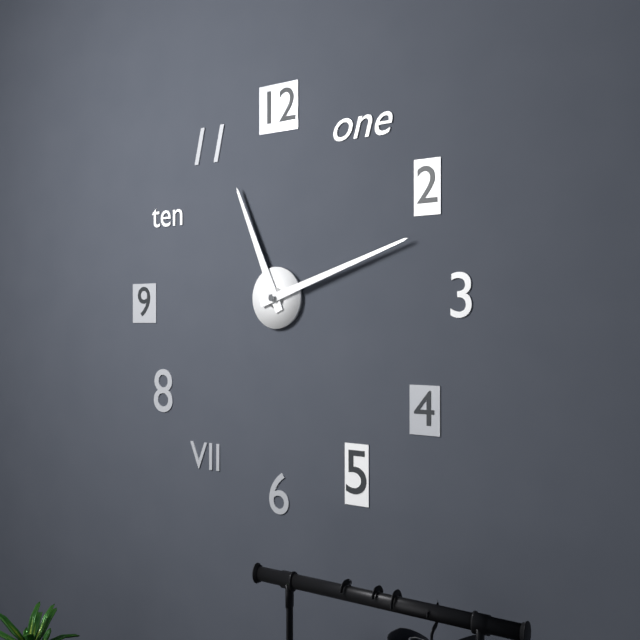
{"hour": 11, "minute": 12}
